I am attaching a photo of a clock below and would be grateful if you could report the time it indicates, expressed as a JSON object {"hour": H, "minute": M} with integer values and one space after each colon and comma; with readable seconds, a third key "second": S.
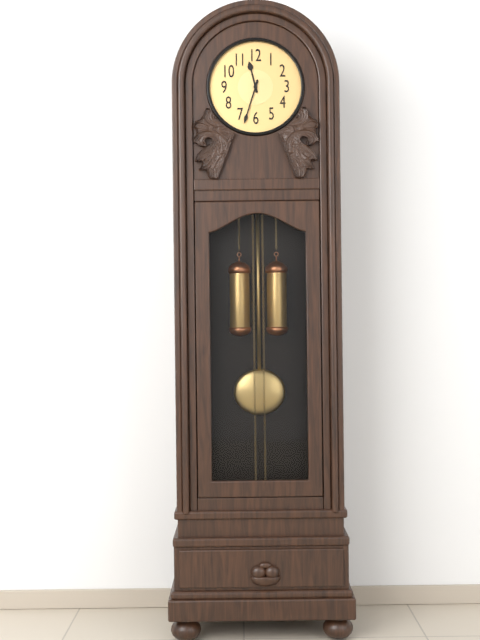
{"hour": 11, "minute": 33}
